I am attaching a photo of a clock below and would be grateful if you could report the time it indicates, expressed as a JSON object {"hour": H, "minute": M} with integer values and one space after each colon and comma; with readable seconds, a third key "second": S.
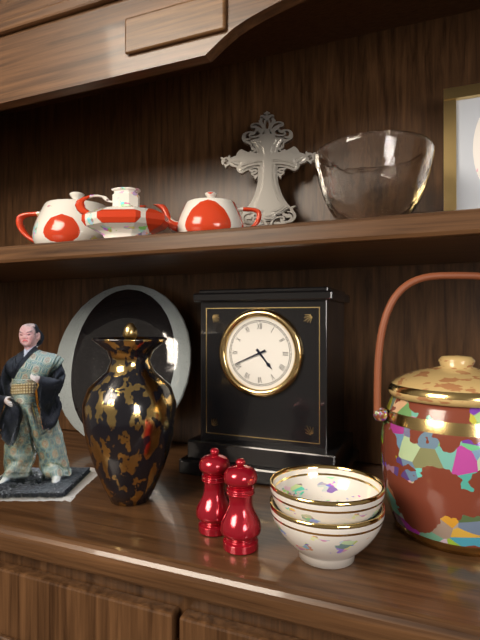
{"hour": 4, "minute": 41}
